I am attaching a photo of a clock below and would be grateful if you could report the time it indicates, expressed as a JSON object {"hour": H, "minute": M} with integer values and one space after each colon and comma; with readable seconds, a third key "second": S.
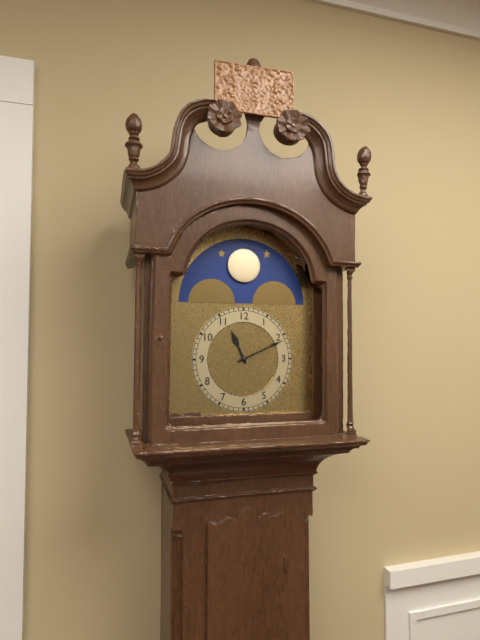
{"hour": 11, "minute": 11}
